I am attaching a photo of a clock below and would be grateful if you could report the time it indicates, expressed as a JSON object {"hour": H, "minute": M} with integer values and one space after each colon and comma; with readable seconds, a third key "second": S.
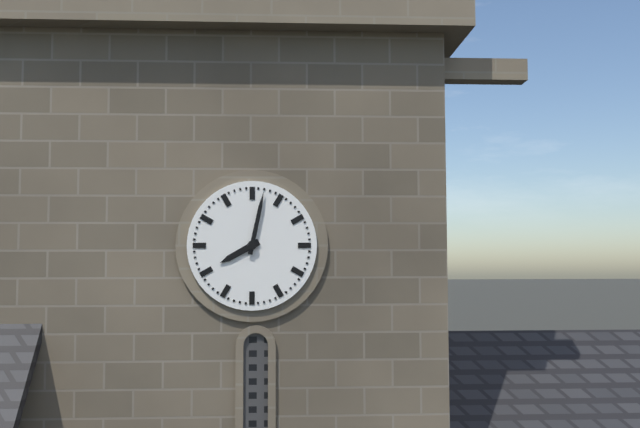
{"hour": 8, "minute": 2}
